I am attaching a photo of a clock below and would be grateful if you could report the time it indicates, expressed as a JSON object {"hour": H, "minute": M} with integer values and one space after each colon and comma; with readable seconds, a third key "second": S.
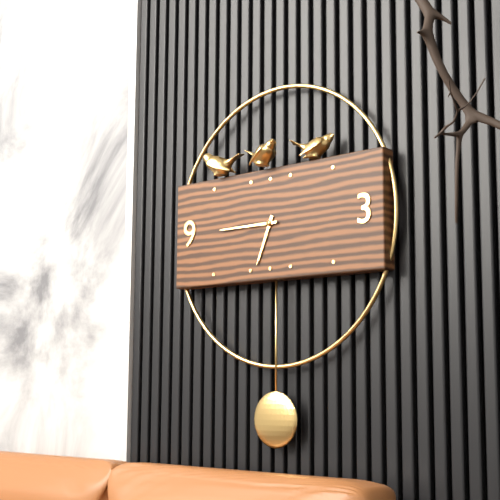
{"hour": 6, "minute": 45}
